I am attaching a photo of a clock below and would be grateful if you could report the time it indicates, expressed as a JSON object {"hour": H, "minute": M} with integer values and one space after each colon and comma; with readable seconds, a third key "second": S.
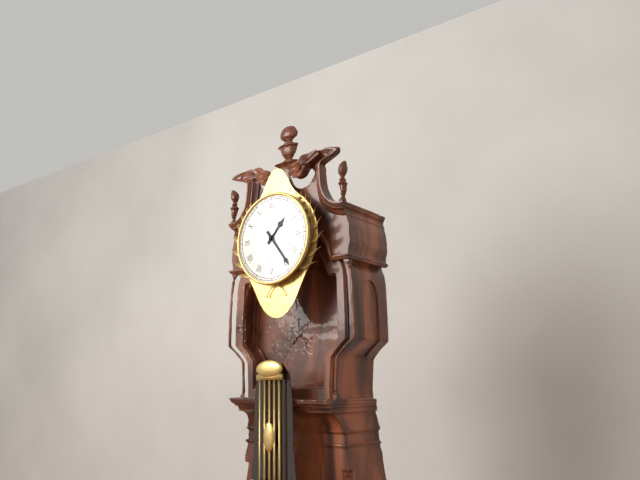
{"hour": 1, "minute": 24}
